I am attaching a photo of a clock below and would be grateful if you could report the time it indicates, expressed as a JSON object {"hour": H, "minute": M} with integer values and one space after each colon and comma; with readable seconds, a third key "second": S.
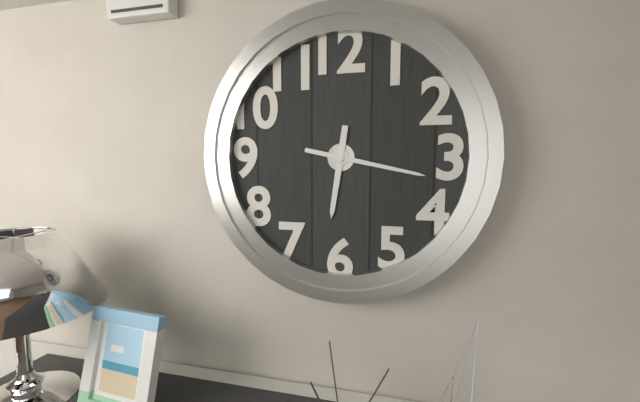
{"hour": 6, "minute": 17}
